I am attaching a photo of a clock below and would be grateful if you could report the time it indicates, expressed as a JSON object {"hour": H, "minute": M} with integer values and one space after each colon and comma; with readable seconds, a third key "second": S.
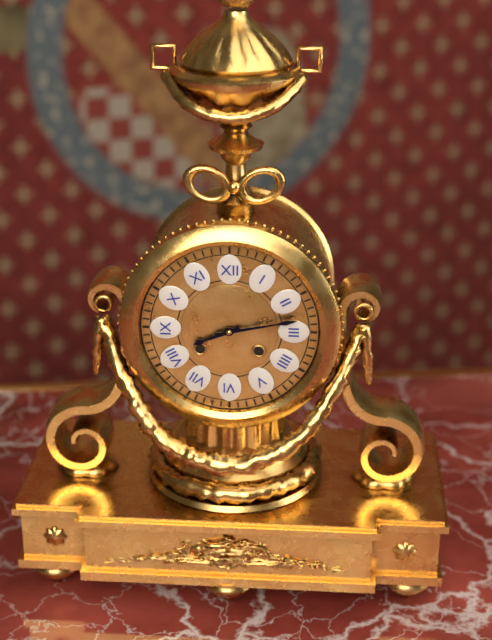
{"hour": 8, "minute": 13}
